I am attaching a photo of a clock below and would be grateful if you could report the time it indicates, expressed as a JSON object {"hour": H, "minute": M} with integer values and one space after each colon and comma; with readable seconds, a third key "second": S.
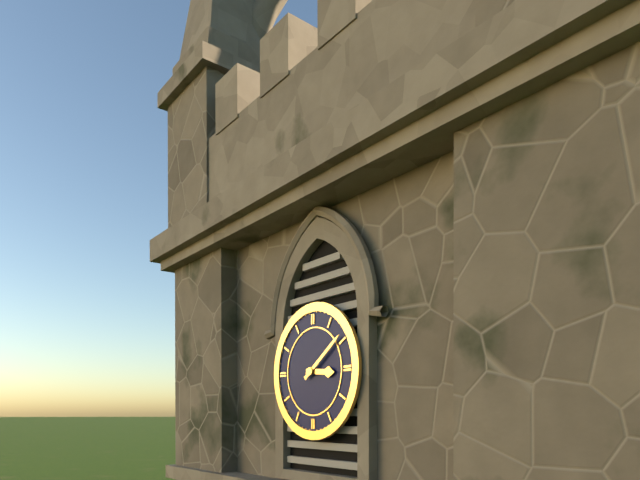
{"hour": 3, "minute": 9}
